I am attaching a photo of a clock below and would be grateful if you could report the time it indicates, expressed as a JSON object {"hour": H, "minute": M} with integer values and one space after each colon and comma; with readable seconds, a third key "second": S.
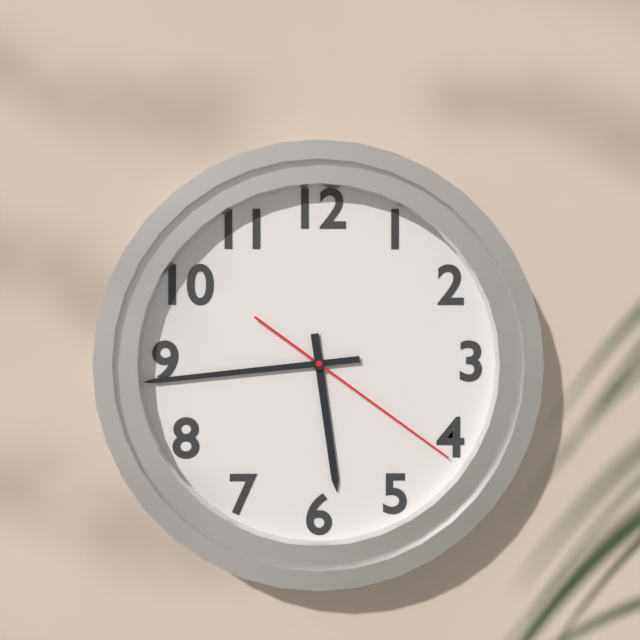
{"hour": 5, "minute": 44, "second": 21}
